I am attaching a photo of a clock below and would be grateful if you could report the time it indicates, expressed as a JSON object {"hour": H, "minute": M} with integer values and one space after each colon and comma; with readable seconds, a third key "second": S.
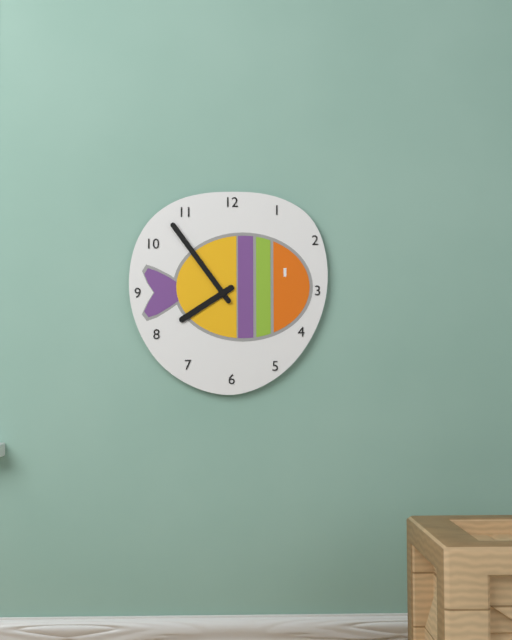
{"hour": 7, "minute": 54}
